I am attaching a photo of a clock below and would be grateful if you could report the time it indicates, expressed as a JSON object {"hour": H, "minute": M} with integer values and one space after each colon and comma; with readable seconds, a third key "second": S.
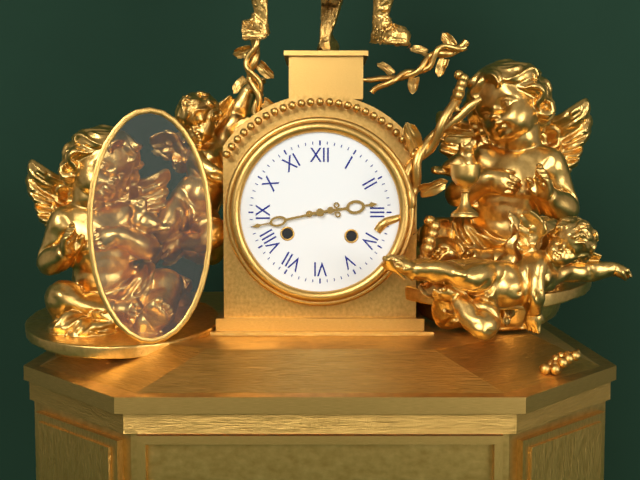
{"hour": 2, "minute": 43}
